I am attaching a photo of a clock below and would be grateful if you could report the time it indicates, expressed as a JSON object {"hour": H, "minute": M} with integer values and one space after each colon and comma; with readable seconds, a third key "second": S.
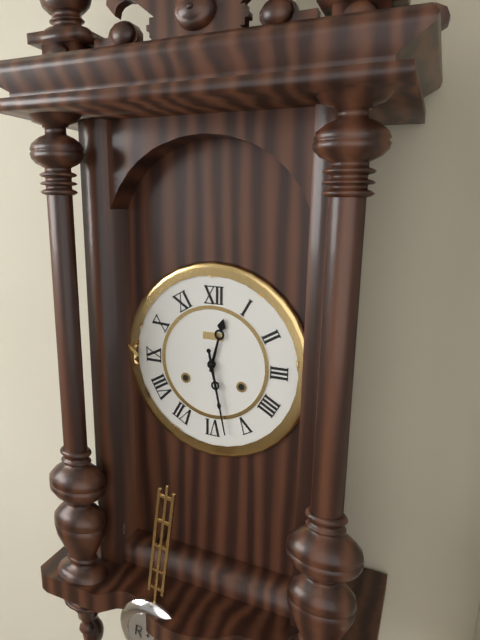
{"hour": 12, "minute": 28}
